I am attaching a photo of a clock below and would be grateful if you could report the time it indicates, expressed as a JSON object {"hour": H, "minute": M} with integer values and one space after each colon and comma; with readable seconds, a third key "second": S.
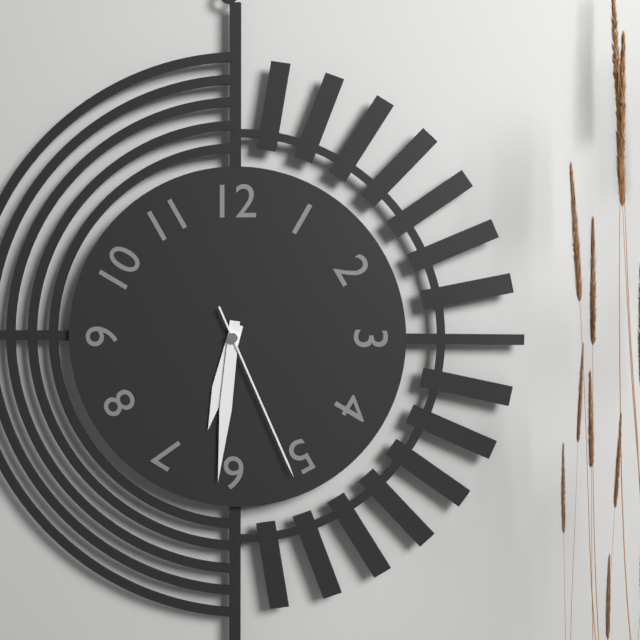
{"hour": 6, "minute": 31, "second": 26}
